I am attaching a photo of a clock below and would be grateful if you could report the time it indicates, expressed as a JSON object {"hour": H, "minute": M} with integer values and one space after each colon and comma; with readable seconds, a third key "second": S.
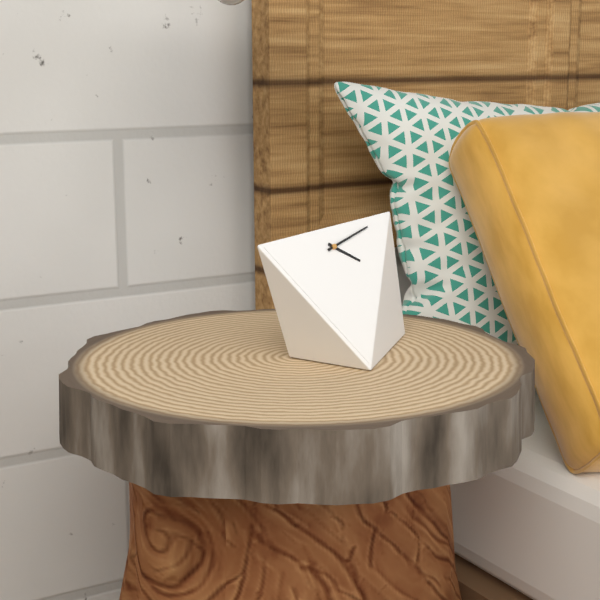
{"hour": 4, "minute": 13}
